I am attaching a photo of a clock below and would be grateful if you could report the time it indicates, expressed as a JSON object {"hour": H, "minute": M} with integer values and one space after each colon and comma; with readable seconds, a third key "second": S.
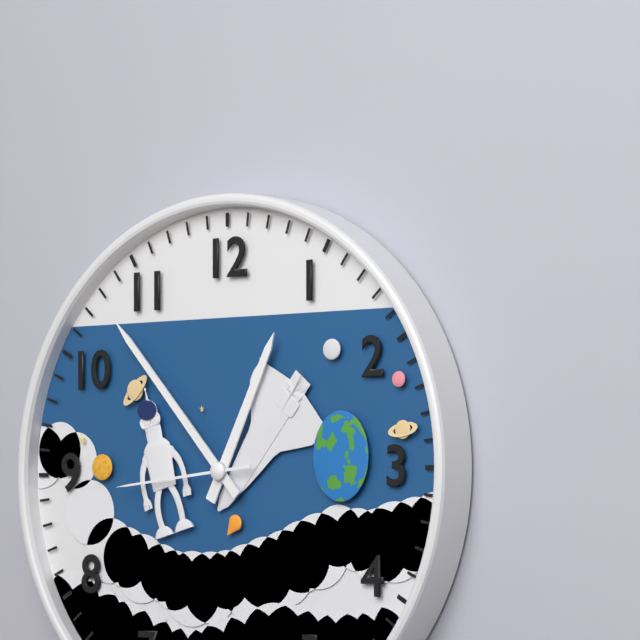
{"hour": 12, "minute": 53, "second": 44}
